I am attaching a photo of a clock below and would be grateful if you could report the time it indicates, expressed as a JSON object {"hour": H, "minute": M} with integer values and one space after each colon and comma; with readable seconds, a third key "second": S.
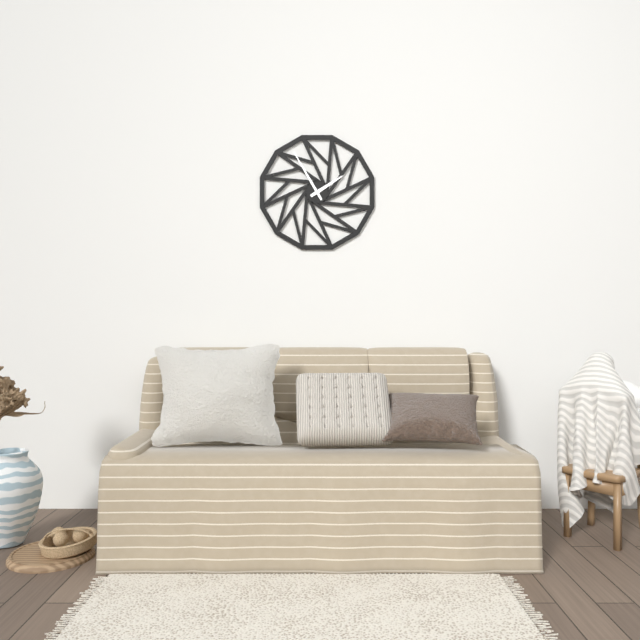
{"hour": 1, "minute": 55}
